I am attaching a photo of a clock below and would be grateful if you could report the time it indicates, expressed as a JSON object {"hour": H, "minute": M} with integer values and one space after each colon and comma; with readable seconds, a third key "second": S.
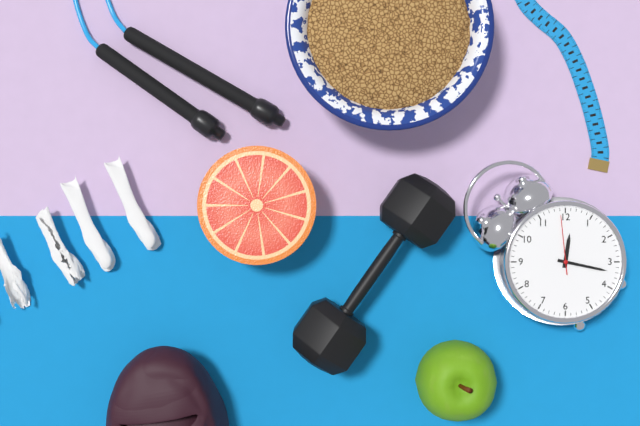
{"hour": 12, "minute": 17, "second": 59}
